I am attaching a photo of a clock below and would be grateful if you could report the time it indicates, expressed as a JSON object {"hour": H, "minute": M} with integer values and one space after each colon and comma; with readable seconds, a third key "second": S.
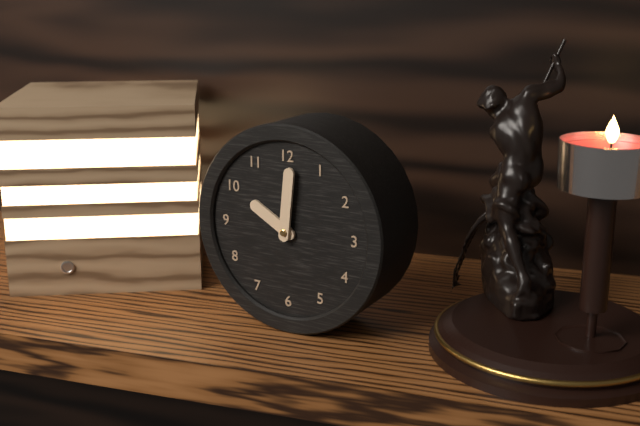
{"hour": 10, "minute": 1}
